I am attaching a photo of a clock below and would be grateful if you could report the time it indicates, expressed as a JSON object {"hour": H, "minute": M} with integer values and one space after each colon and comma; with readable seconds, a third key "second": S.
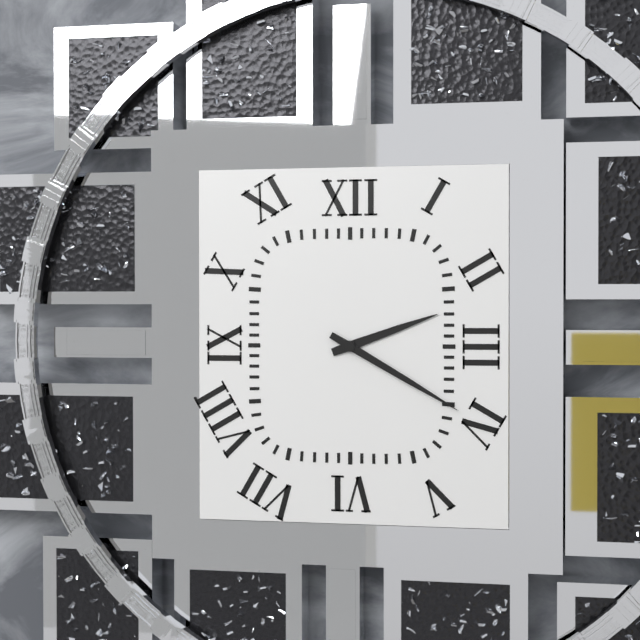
{"hour": 2, "minute": 20}
